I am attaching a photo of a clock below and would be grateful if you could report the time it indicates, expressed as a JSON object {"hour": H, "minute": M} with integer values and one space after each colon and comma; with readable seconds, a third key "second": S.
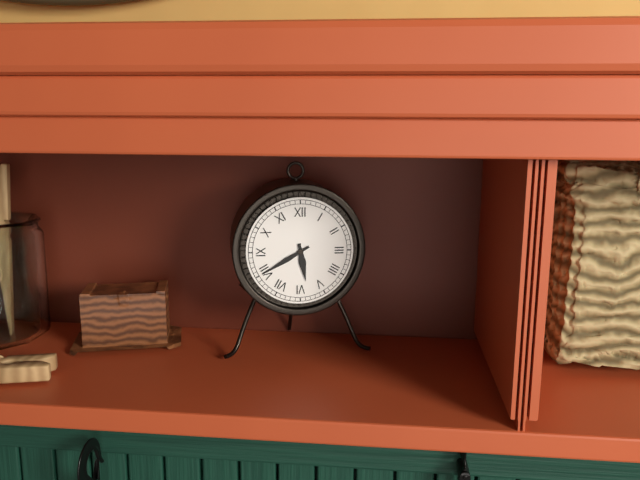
{"hour": 5, "minute": 40}
